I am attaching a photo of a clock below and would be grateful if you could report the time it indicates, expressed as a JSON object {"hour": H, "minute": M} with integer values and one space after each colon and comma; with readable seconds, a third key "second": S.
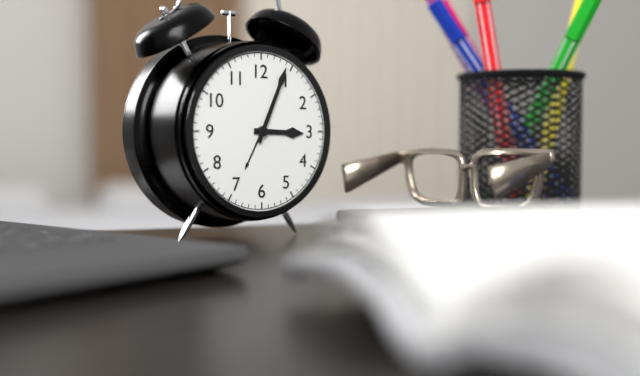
{"hour": 3, "minute": 4}
